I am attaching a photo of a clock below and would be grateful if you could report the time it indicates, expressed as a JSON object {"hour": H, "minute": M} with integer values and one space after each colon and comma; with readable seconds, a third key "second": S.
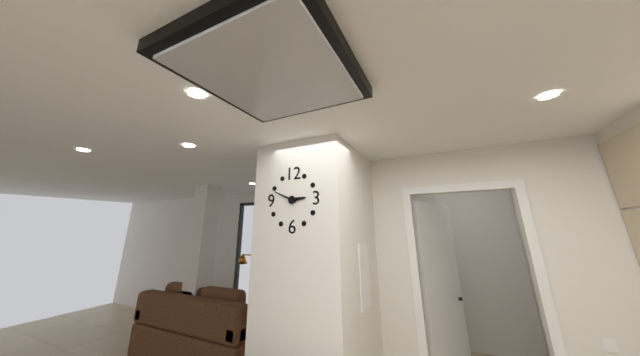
{"hour": 2, "minute": 49}
